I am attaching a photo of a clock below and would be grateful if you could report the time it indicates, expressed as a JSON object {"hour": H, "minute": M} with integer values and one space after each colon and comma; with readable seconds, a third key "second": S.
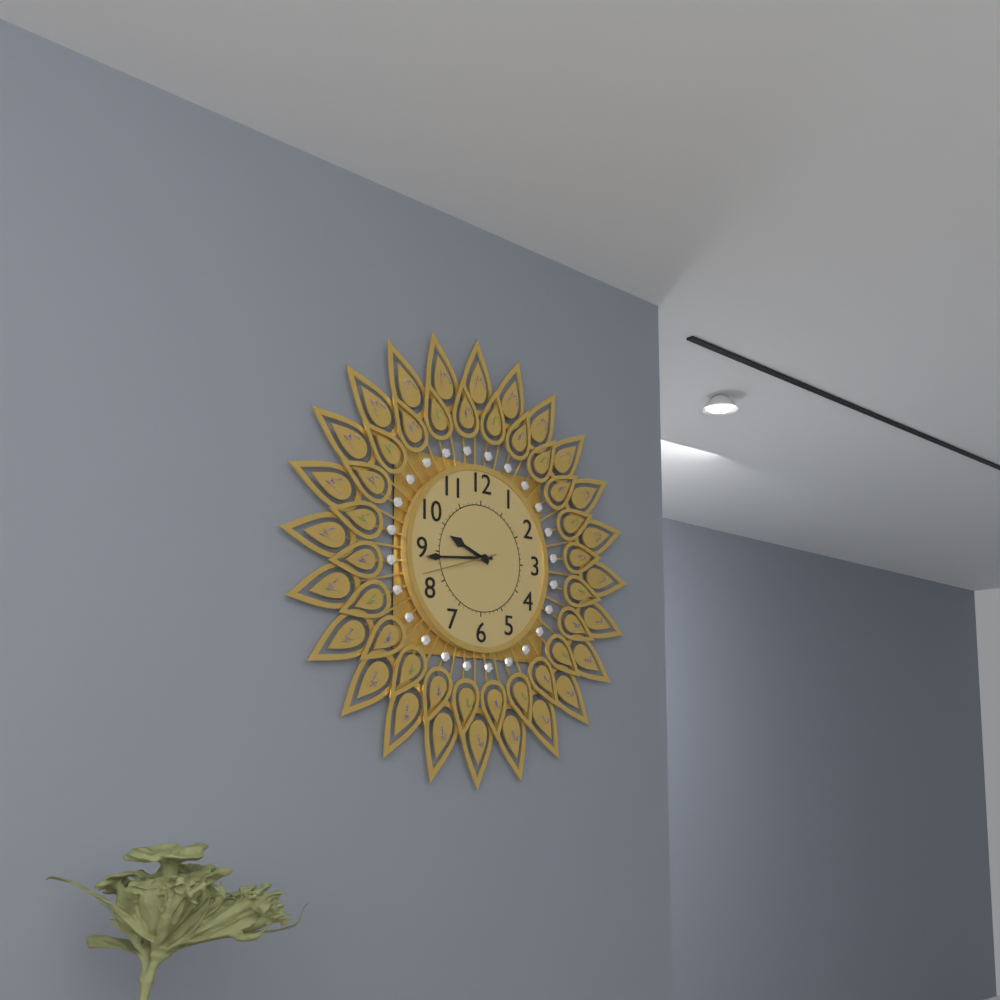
{"hour": 9, "minute": 44, "second": 42}
